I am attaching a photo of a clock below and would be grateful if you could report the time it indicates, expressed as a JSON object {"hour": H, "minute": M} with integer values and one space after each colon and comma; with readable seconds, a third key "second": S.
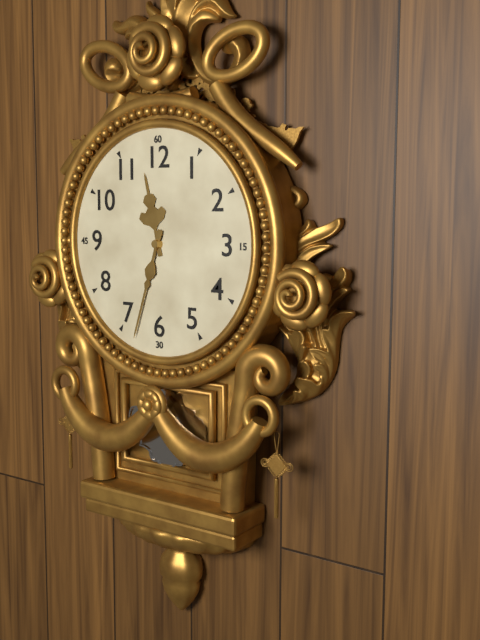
{"hour": 11, "minute": 33}
